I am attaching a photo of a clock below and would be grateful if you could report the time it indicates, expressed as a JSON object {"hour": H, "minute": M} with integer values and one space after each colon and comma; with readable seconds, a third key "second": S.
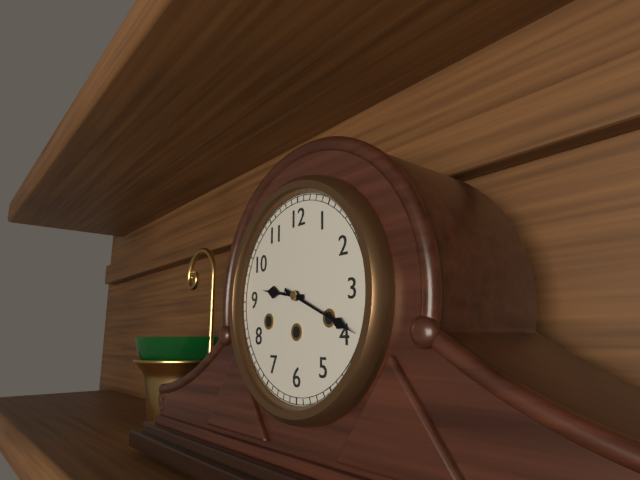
{"hour": 9, "minute": 19}
